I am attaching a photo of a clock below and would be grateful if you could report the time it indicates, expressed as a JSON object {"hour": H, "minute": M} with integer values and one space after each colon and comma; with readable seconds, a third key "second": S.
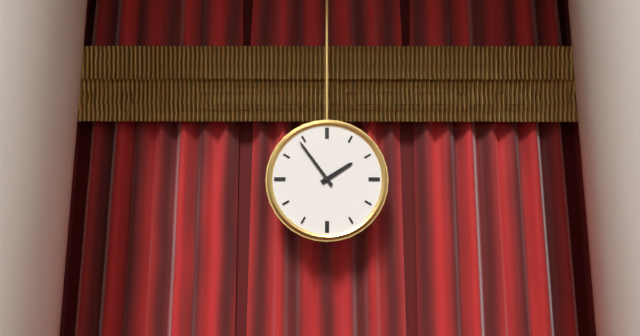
{"hour": 1, "minute": 54}
